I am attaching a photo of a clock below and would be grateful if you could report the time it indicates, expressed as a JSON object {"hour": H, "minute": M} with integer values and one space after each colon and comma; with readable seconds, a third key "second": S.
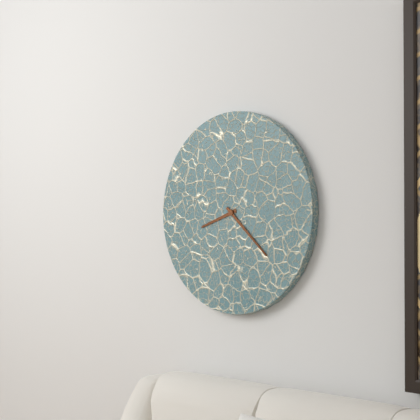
{"hour": 8, "minute": 22}
